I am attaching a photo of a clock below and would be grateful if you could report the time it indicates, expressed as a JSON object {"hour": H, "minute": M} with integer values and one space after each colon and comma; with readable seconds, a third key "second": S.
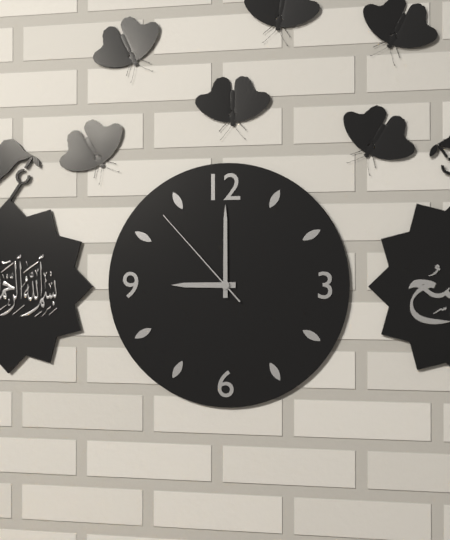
{"hour": 9, "minute": 0, "second": 53}
